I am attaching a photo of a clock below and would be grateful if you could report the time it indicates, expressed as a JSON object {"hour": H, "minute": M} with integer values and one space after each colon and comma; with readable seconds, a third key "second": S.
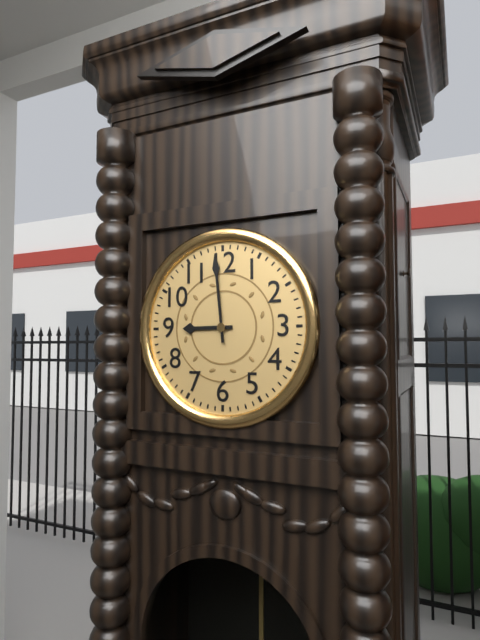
{"hour": 8, "minute": 59}
